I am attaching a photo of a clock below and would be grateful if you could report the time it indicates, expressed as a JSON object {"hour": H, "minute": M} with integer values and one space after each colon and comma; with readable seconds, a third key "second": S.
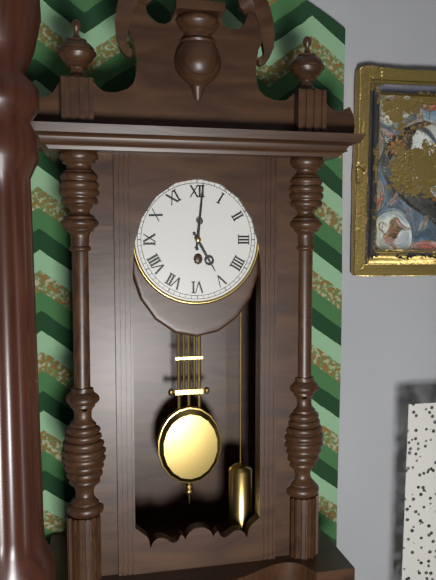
{"hour": 5, "minute": 1}
